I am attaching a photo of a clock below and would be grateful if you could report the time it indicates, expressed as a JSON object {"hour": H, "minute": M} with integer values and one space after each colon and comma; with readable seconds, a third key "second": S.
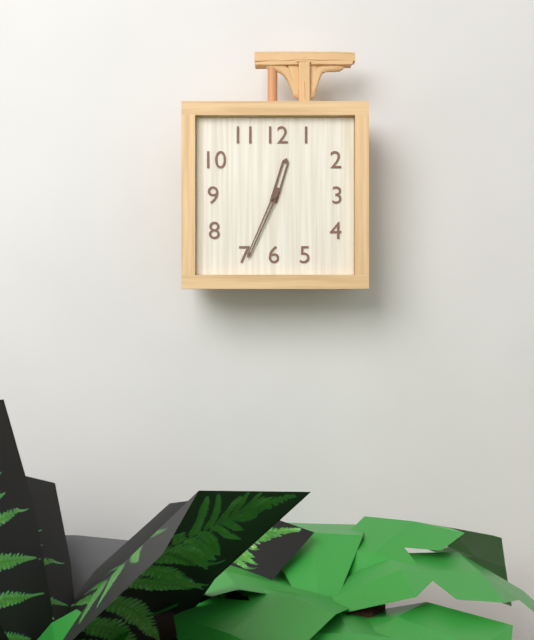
{"hour": 12, "minute": 34}
